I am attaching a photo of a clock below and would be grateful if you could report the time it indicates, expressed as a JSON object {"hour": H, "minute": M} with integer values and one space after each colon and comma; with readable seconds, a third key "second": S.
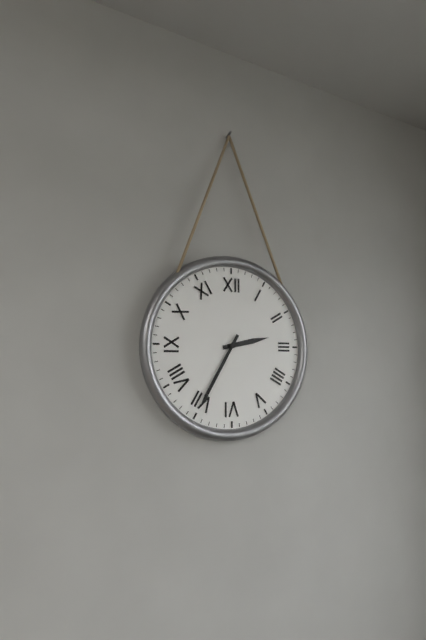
{"hour": 2, "minute": 35}
